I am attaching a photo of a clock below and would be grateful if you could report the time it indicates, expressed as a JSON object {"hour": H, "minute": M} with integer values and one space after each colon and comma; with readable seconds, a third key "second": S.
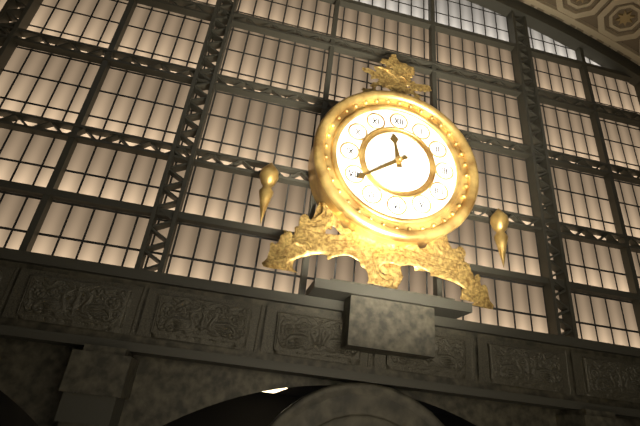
{"hour": 11, "minute": 39}
